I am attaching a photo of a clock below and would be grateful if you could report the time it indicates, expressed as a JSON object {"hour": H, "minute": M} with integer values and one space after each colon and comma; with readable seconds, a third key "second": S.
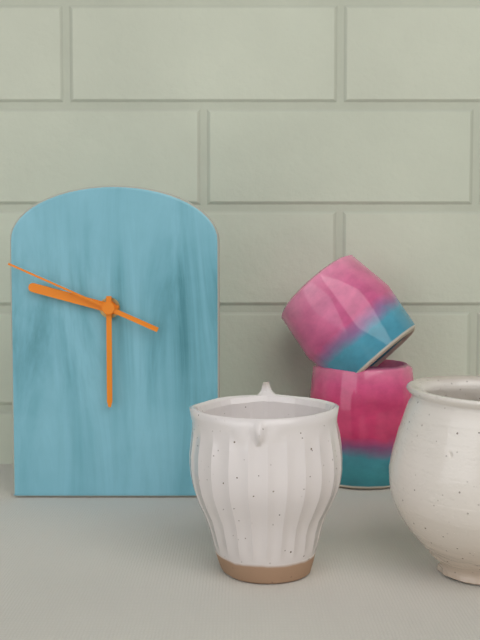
{"hour": 9, "minute": 30, "second": 49}
